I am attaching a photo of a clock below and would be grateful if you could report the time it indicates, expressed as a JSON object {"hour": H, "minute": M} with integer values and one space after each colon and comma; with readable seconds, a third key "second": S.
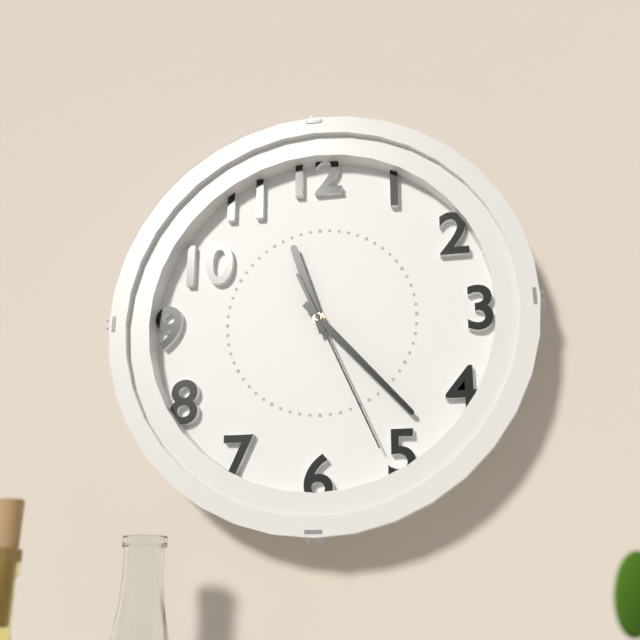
{"hour": 11, "minute": 23, "second": 26}
